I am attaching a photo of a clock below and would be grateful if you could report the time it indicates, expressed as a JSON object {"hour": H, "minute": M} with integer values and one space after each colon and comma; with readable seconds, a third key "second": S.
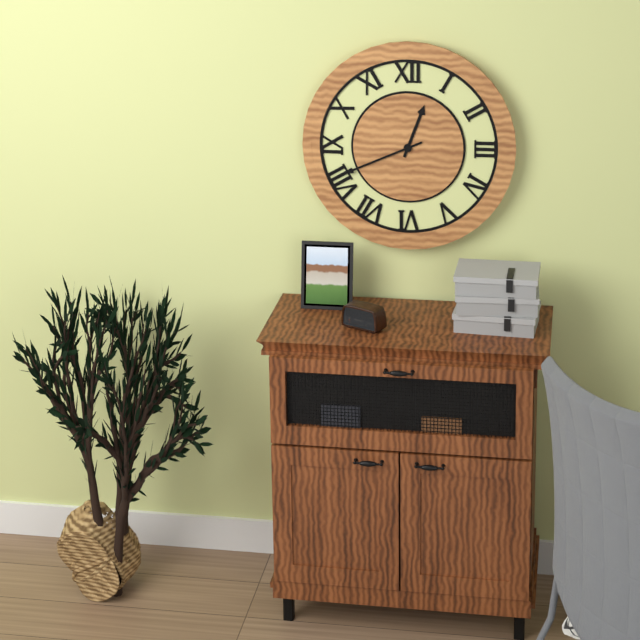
{"hour": 12, "minute": 41}
